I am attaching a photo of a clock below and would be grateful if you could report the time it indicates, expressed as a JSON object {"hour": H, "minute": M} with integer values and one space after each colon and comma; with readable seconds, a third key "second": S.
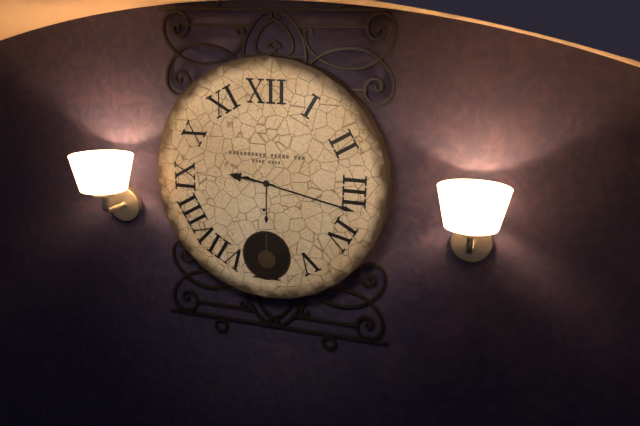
{"hour": 9, "minute": 17}
